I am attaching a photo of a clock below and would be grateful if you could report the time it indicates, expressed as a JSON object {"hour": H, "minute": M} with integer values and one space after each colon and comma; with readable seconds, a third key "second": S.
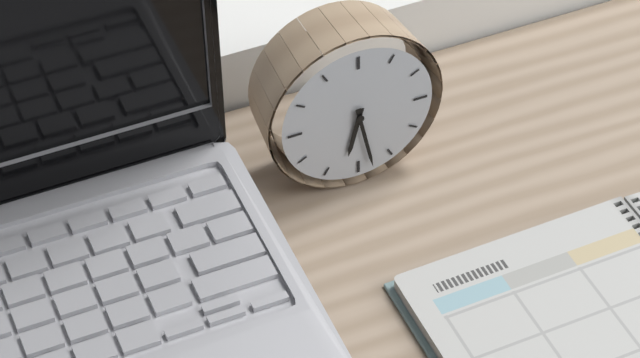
{"hour": 6, "minute": 28}
